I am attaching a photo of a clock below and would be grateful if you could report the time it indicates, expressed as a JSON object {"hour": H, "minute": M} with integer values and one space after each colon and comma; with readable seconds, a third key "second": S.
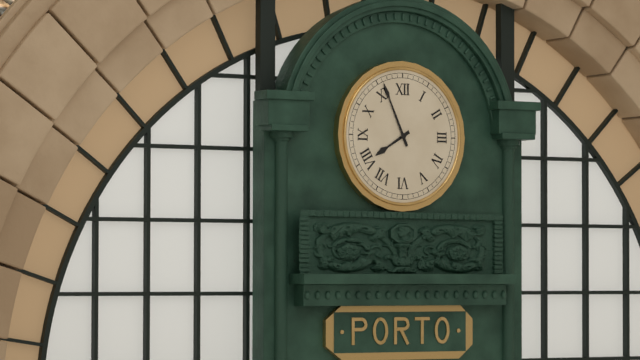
{"hour": 7, "minute": 56}
